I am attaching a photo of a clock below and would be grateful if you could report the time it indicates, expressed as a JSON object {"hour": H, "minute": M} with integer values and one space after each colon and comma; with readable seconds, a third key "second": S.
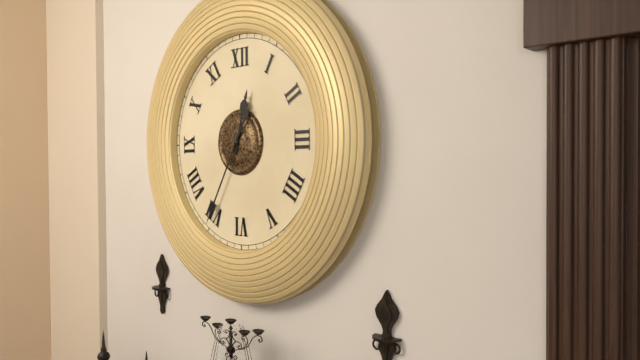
{"hour": 12, "minute": 35}
